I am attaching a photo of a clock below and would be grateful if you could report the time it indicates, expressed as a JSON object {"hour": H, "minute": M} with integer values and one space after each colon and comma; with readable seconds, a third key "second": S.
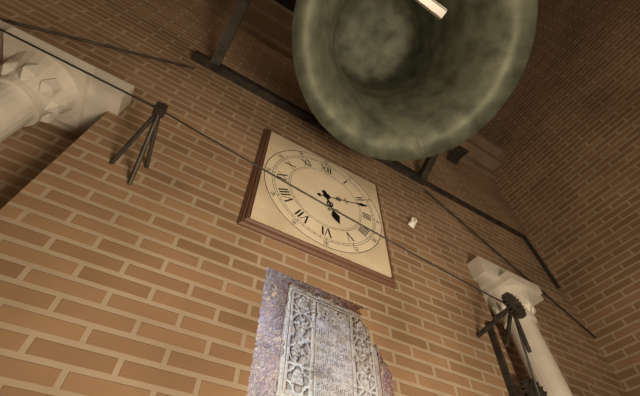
{"hour": 5, "minute": 12}
